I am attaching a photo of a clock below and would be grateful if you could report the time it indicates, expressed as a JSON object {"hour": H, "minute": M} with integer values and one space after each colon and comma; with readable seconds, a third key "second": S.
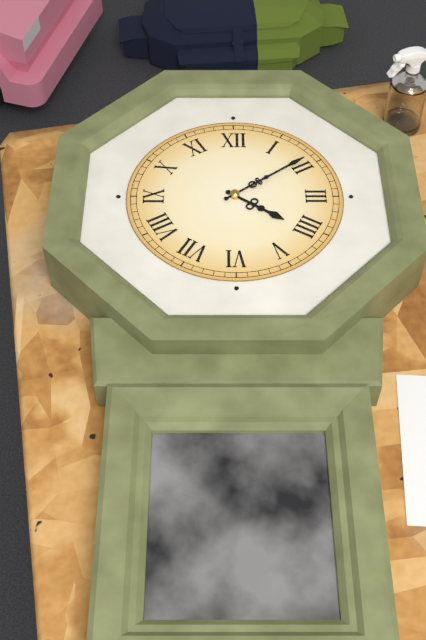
{"hour": 4, "minute": 9}
